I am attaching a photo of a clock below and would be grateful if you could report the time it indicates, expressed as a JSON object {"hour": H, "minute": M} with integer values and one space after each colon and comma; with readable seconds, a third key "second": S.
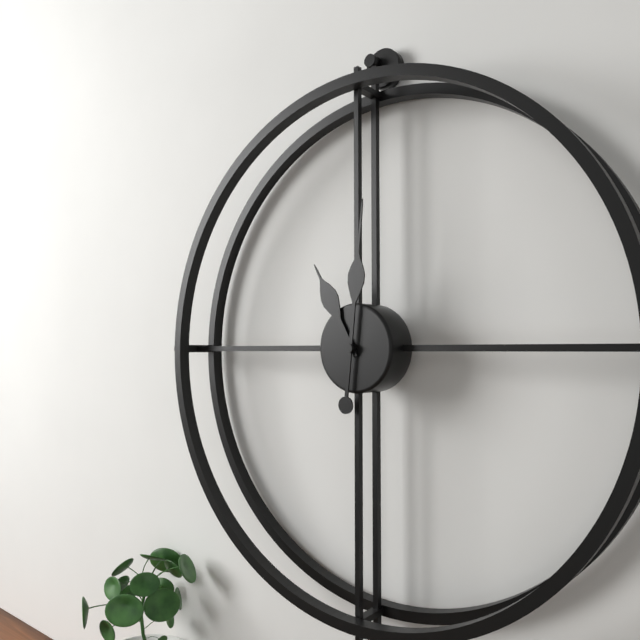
{"hour": 11, "minute": 1}
